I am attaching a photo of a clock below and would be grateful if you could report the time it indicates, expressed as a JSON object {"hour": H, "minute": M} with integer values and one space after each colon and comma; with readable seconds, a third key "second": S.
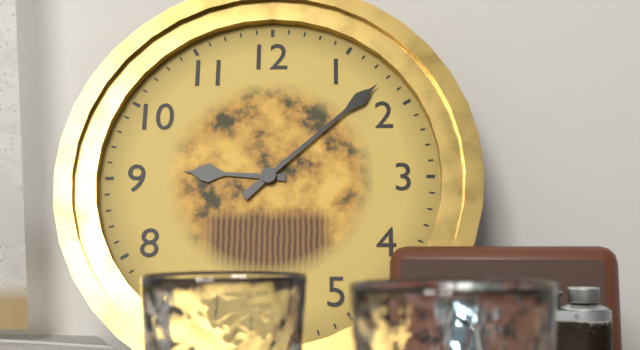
{"hour": 9, "minute": 8}
